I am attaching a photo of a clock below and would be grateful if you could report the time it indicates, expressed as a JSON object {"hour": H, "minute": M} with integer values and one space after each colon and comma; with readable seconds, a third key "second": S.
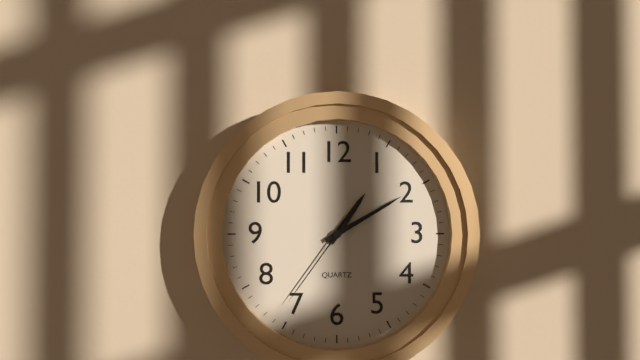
{"hour": 1, "minute": 10, "second": 36}
